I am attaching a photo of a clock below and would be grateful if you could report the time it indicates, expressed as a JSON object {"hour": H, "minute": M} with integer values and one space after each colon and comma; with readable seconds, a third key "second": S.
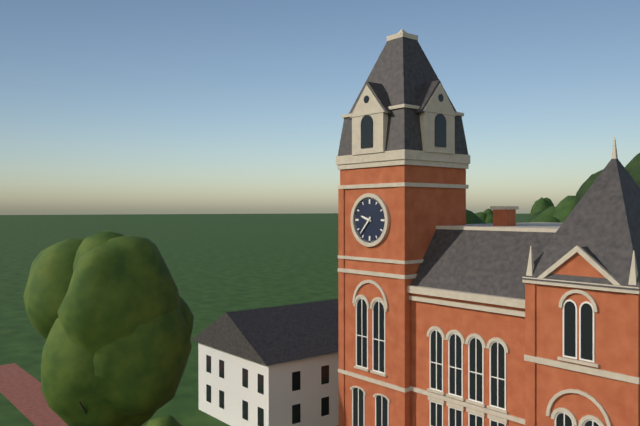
{"hour": 9, "minute": 37}
